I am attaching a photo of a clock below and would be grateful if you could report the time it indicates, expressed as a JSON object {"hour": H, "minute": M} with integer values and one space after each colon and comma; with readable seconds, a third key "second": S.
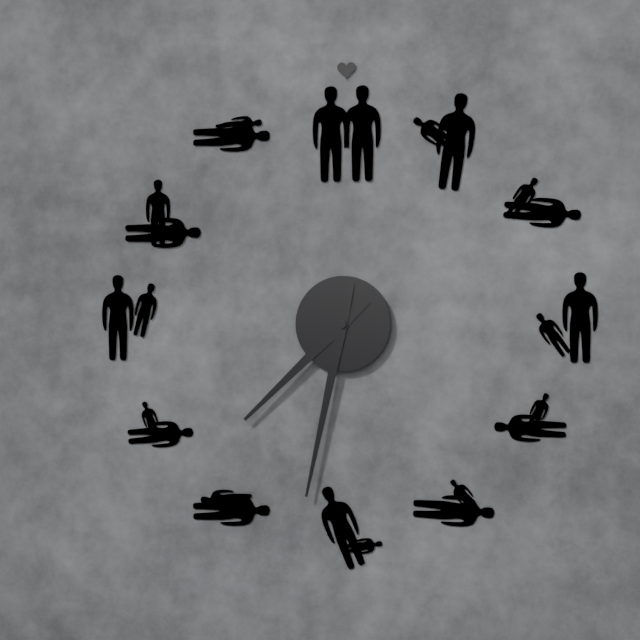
{"hour": 7, "minute": 32}
